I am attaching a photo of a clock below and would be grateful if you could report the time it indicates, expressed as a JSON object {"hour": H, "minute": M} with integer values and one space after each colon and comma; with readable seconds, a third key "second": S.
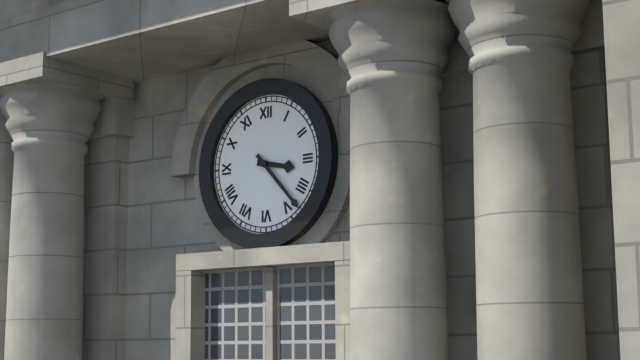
{"hour": 3, "minute": 23}
